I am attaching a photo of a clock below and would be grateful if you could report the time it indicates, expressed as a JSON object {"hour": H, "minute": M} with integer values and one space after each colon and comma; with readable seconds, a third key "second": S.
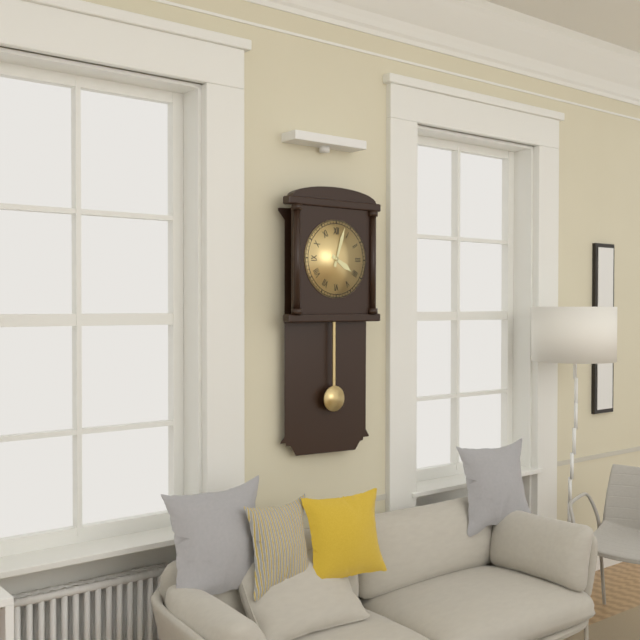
{"hour": 4, "minute": 3}
